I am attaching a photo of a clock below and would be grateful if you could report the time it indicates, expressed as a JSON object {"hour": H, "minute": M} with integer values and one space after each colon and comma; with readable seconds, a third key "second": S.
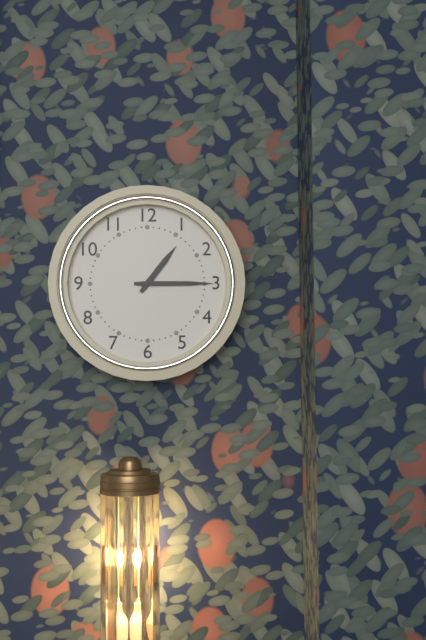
{"hour": 1, "minute": 15}
